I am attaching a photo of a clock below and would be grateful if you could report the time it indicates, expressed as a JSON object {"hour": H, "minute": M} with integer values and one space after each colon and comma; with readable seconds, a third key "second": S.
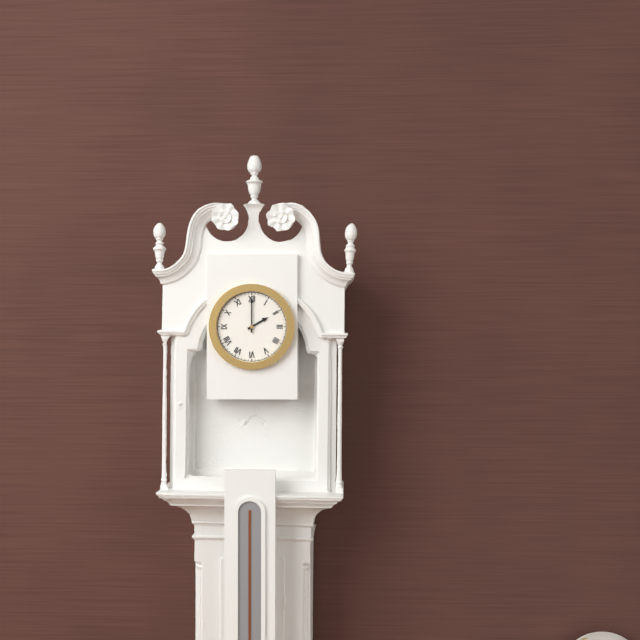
{"hour": 2, "minute": 0}
